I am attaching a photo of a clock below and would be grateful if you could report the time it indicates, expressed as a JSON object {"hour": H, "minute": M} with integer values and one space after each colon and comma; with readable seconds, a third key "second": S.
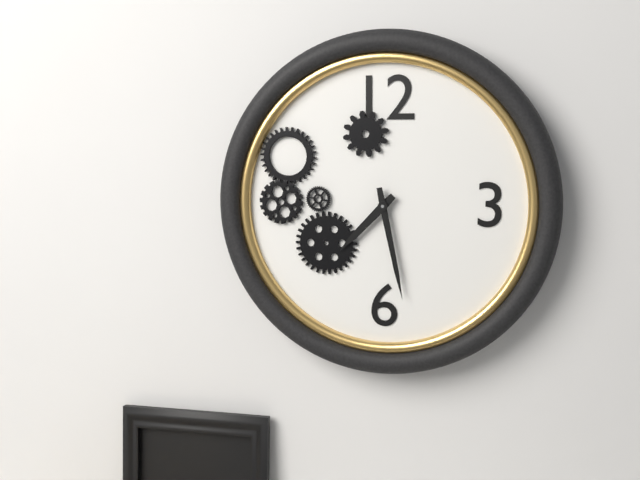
{"hour": 7, "minute": 28}
